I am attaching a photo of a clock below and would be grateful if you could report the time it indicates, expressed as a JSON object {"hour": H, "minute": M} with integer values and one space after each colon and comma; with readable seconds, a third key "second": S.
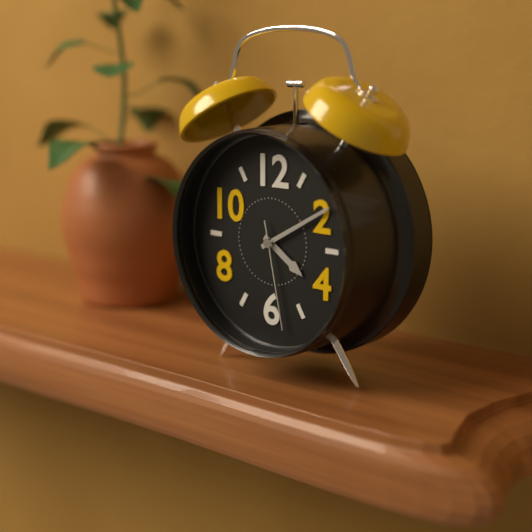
{"hour": 4, "minute": 10, "second": 28}
